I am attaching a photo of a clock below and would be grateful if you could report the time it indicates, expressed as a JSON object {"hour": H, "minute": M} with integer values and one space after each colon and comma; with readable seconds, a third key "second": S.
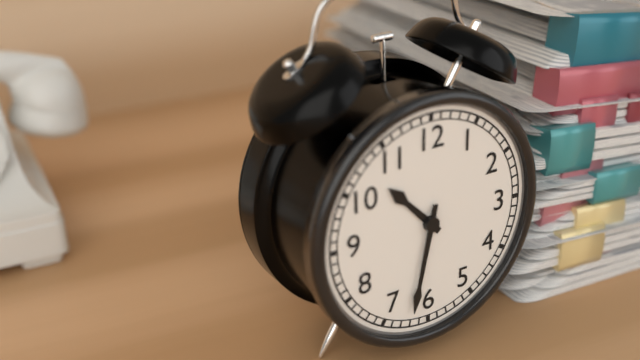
{"hour": 10, "minute": 32}
